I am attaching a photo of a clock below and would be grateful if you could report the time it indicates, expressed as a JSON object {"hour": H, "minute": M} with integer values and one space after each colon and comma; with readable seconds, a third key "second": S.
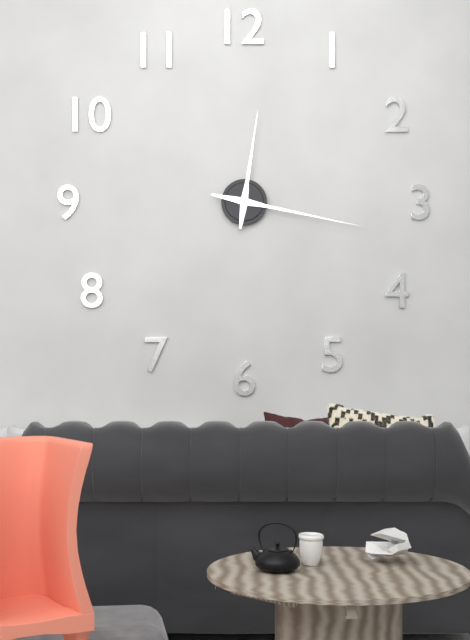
{"hour": 12, "minute": 17}
